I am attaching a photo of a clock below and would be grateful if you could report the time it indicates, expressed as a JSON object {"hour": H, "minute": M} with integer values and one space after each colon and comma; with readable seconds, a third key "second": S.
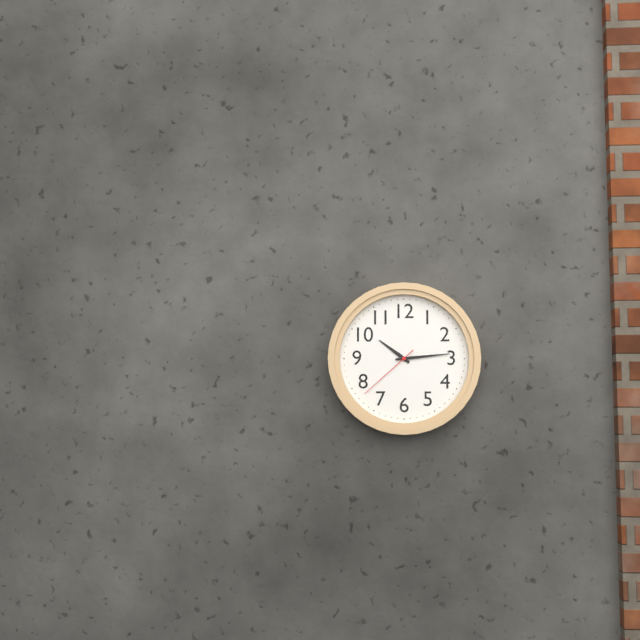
{"hour": 10, "minute": 14, "second": 38}
